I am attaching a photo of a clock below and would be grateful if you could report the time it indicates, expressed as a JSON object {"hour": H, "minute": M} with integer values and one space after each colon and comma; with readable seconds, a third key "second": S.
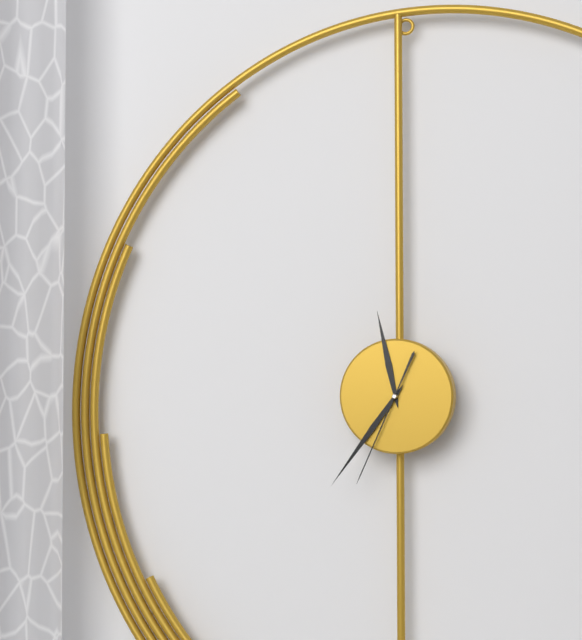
{"hour": 11, "minute": 36, "second": 34}
